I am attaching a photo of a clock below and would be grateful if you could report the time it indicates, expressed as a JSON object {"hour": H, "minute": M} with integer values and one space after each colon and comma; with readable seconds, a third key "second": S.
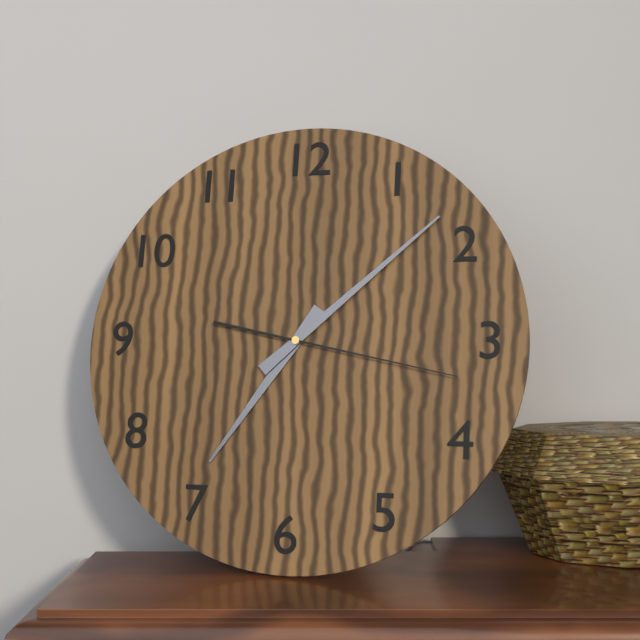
{"hour": 7, "minute": 8, "second": 17}
